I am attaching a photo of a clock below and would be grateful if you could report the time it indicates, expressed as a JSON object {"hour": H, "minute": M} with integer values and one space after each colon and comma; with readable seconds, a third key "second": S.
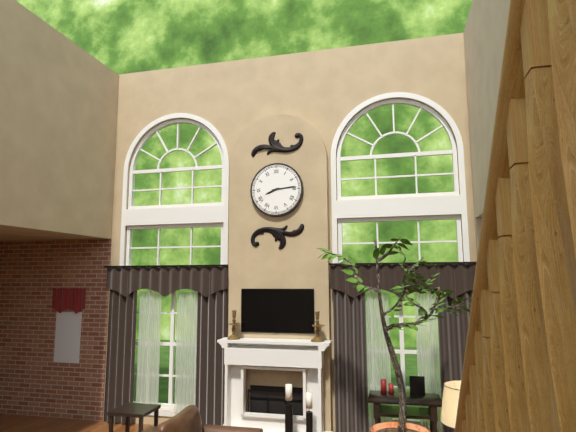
{"hour": 8, "minute": 14}
